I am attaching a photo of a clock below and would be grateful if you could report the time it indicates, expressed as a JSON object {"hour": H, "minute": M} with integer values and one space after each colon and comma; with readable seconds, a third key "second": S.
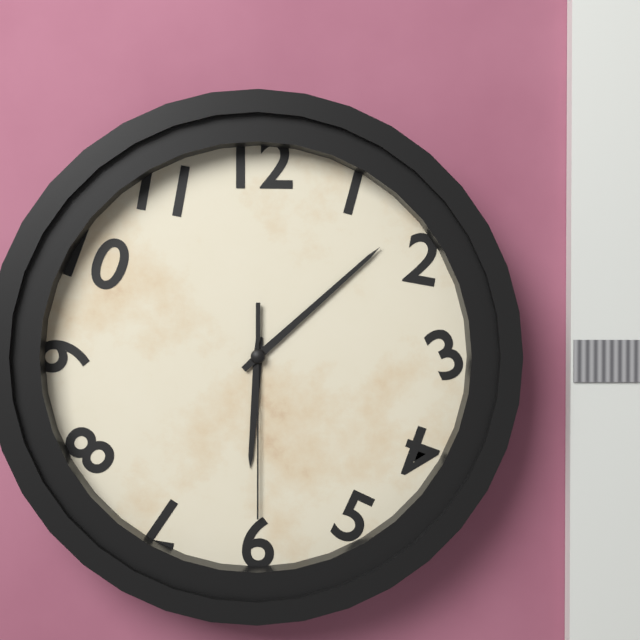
{"hour": 6, "minute": 8, "second": 30}
